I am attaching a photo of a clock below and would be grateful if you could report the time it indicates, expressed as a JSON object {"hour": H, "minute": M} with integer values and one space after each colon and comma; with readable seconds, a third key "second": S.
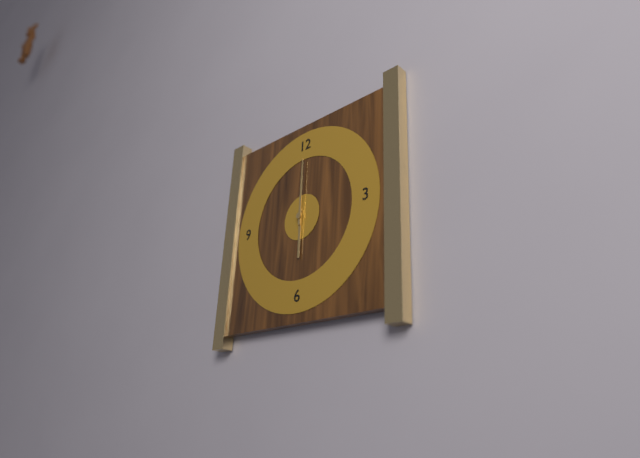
{"hour": 6, "minute": 0}
